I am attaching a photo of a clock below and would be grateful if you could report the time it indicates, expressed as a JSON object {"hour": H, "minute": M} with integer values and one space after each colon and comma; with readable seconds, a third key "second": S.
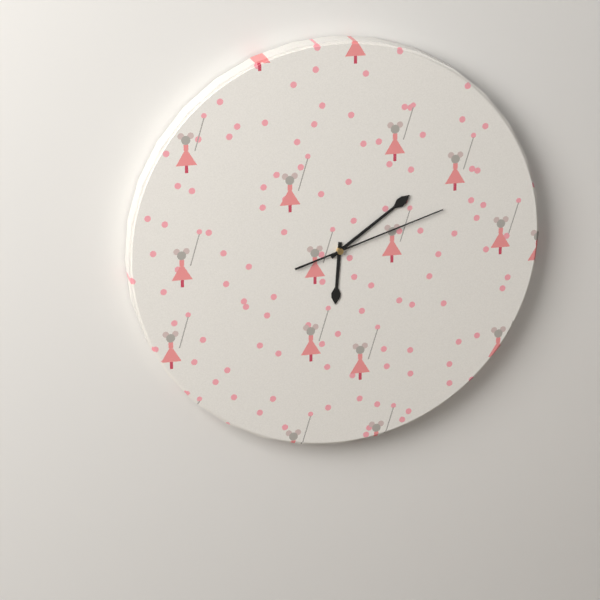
{"hour": 6, "minute": 9, "second": 12}
